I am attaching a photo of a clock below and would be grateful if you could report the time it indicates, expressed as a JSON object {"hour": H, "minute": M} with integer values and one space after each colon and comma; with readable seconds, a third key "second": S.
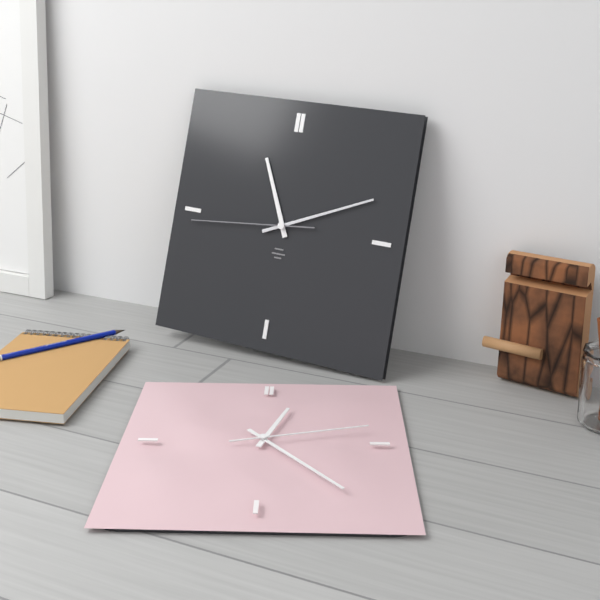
{"hour": 11, "minute": 11, "second": 44}
